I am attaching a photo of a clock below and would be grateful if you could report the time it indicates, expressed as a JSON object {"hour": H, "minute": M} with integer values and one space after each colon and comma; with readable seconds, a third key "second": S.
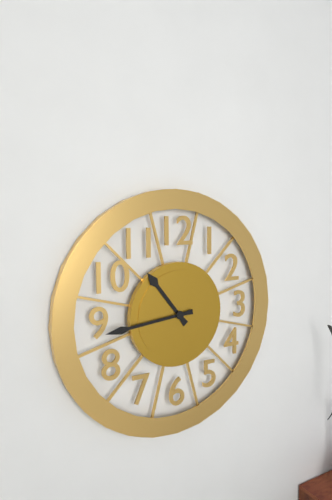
{"hour": 10, "minute": 44}
